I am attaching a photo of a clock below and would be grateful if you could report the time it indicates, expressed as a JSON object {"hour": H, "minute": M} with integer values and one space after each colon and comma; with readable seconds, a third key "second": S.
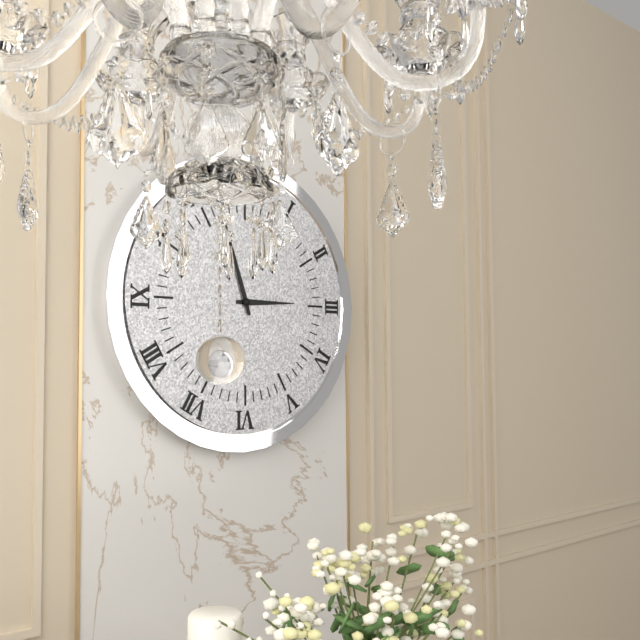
{"hour": 2, "minute": 57}
